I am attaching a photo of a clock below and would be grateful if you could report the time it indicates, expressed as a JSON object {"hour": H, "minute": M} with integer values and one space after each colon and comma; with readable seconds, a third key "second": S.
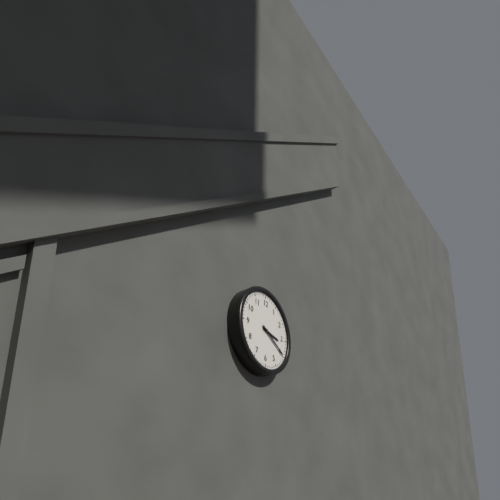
{"hour": 3, "minute": 20}
